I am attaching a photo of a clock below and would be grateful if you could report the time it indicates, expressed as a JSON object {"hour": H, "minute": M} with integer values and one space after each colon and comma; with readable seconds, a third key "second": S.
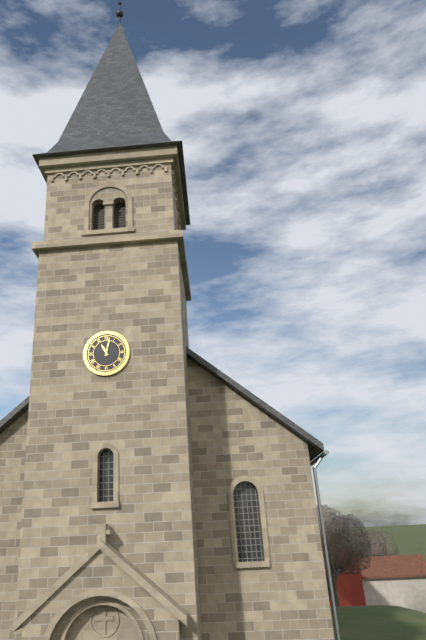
{"hour": 11, "minute": 2}
